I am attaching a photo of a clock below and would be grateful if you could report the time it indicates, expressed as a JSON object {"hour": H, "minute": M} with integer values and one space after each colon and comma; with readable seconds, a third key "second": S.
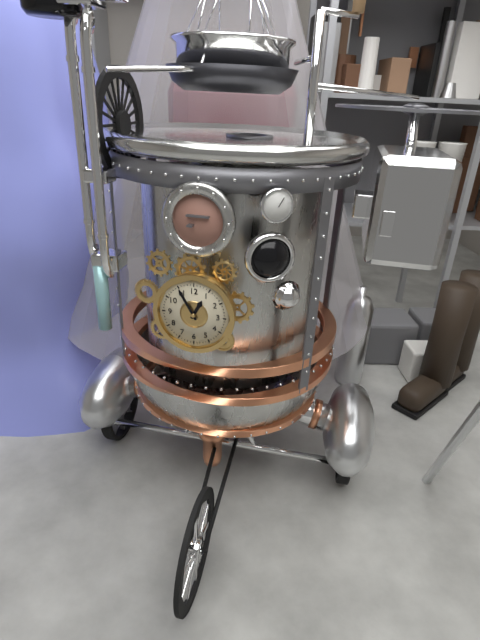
{"hour": 12, "minute": 55}
